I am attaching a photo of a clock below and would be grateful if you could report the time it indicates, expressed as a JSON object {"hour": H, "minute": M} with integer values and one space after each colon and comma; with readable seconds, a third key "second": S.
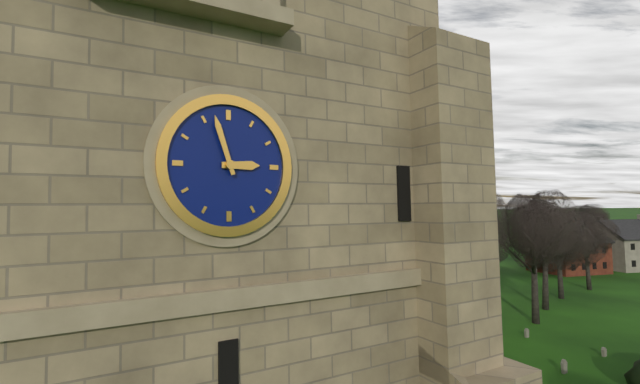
{"hour": 2, "minute": 57}
